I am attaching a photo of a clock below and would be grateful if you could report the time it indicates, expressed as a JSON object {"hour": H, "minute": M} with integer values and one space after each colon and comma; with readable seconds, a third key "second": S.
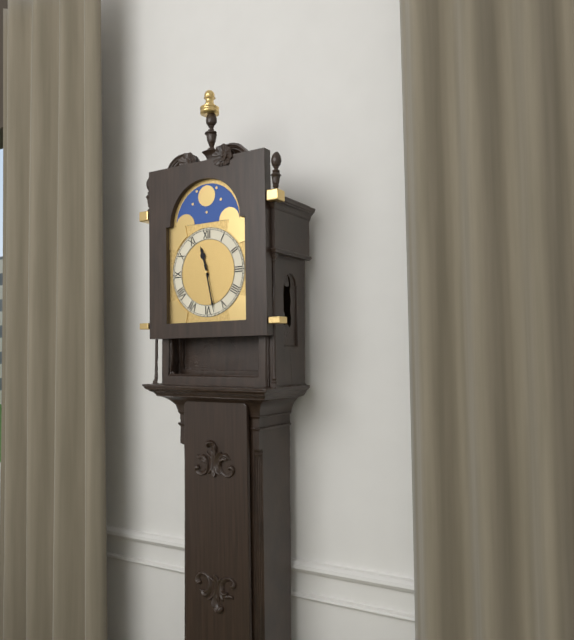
{"hour": 11, "minute": 28}
